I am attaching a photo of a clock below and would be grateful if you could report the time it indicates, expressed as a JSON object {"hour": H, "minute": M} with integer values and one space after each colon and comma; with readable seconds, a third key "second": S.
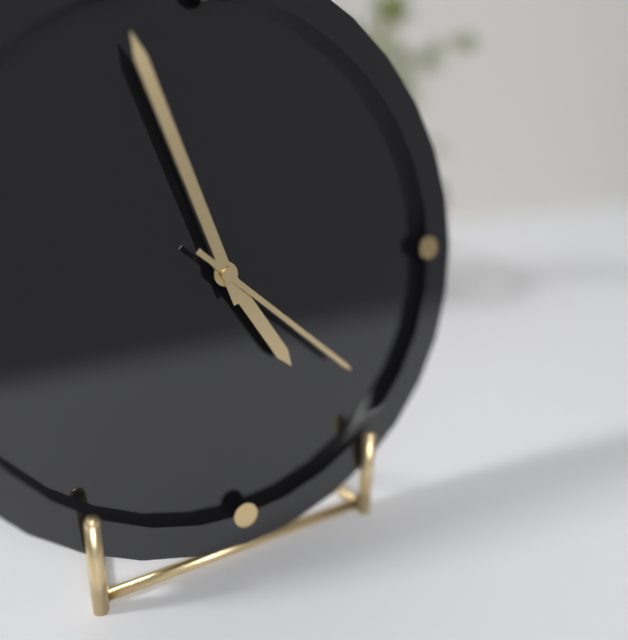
{"hour": 4, "minute": 57, "second": 22}
